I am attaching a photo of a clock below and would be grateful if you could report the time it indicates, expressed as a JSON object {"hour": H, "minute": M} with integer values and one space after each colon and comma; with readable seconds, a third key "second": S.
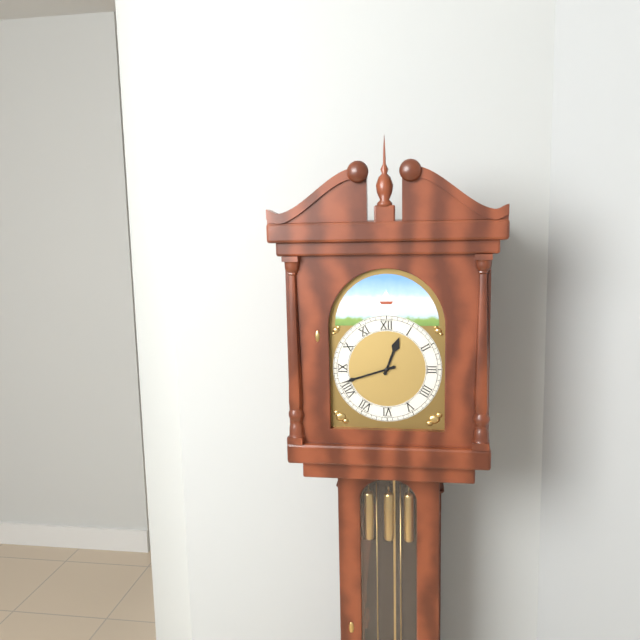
{"hour": 12, "minute": 42}
